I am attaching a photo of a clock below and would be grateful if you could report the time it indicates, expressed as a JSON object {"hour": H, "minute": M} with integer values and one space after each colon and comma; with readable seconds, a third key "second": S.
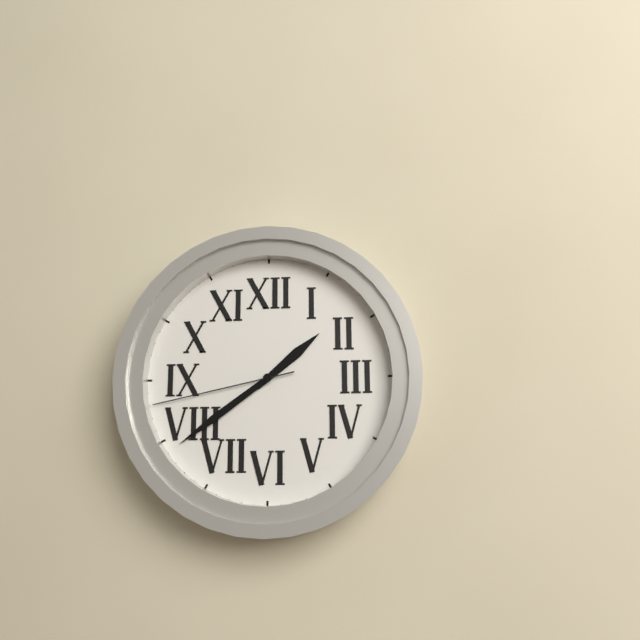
{"hour": 1, "minute": 39, "second": 43}
